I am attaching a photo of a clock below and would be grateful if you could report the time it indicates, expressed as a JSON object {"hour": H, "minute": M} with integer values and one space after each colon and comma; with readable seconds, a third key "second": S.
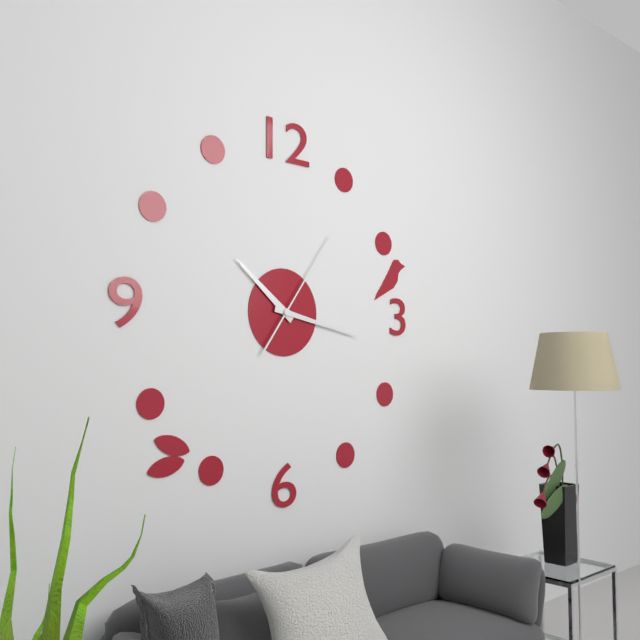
{"hour": 10, "minute": 17, "second": 6}
